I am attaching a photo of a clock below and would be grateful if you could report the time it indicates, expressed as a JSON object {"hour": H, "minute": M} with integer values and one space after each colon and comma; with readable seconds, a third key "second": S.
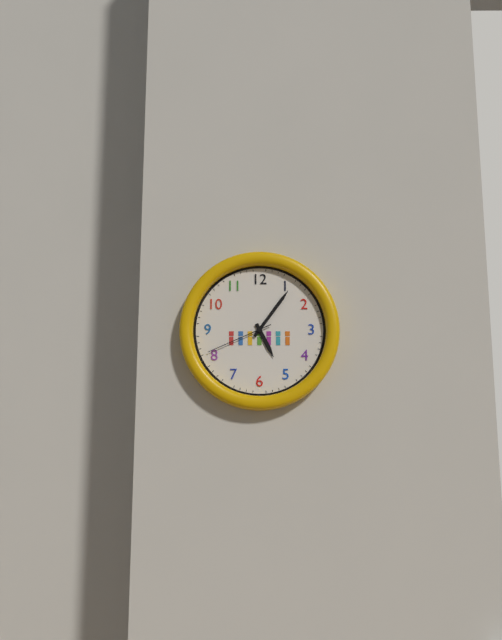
{"hour": 5, "minute": 6, "second": 41}
